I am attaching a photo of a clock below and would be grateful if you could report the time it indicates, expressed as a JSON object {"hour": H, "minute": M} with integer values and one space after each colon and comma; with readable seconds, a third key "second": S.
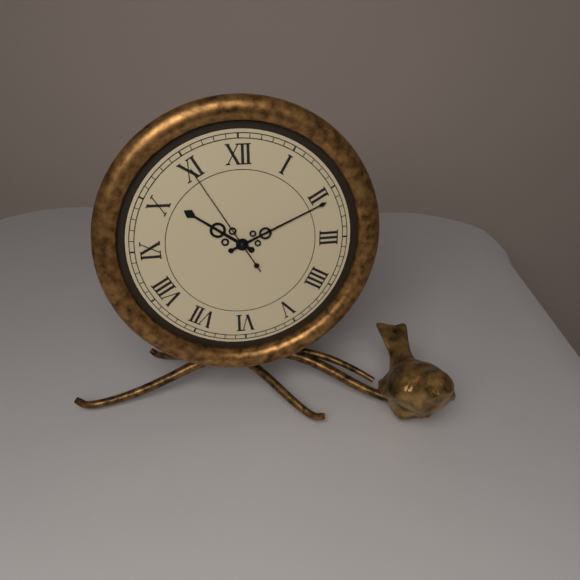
{"hour": 10, "minute": 11, "second": 55}
